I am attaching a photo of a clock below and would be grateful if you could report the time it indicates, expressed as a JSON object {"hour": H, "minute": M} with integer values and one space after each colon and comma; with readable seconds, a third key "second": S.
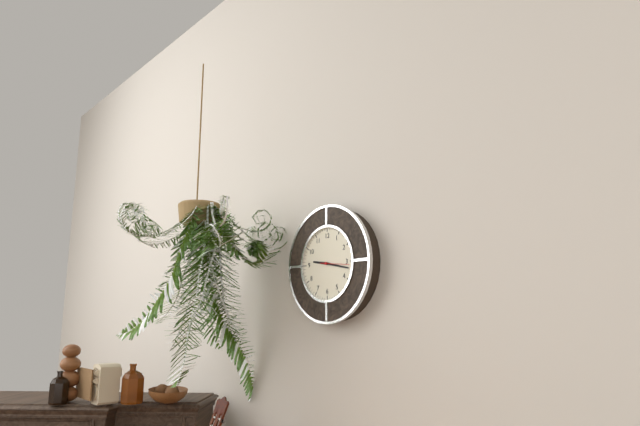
{"hour": 9, "minute": 17}
